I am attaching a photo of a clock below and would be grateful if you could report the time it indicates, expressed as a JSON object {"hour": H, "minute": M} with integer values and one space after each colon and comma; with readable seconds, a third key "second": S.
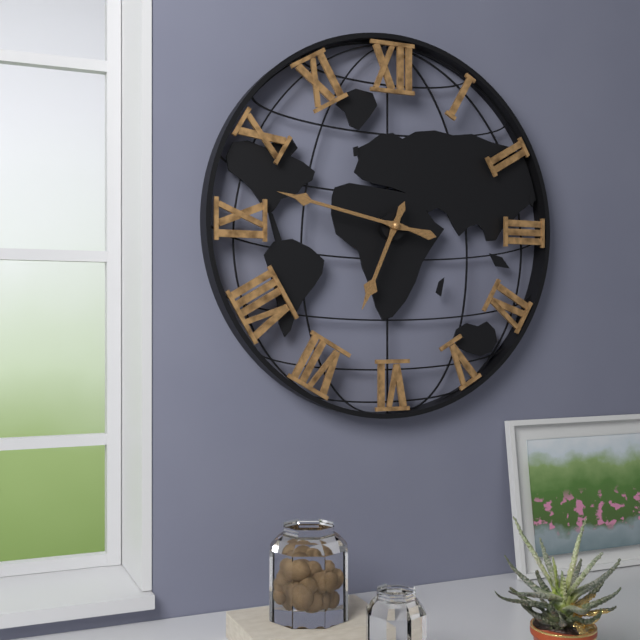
{"hour": 6, "minute": 47}
